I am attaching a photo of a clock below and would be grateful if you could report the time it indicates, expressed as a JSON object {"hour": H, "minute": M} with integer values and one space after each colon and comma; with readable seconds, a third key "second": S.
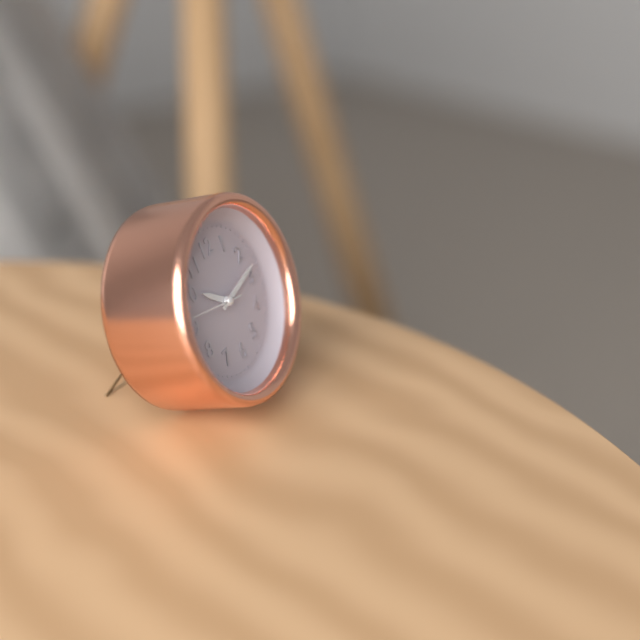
{"hour": 10, "minute": 13, "second": 47}
